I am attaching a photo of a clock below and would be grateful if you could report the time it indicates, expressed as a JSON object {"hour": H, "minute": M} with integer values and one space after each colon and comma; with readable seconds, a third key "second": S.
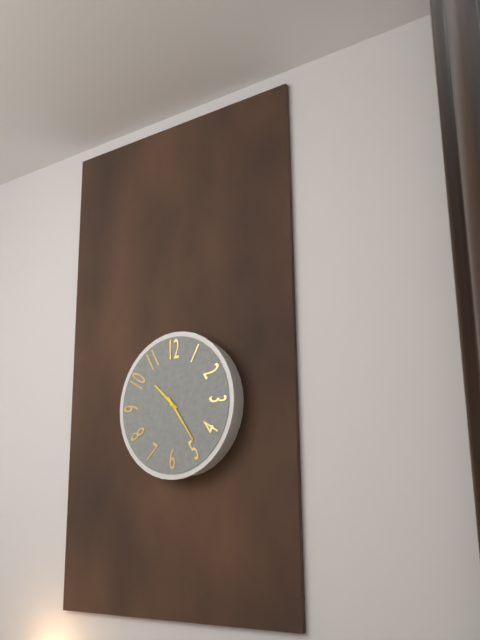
{"hour": 10, "minute": 24}
